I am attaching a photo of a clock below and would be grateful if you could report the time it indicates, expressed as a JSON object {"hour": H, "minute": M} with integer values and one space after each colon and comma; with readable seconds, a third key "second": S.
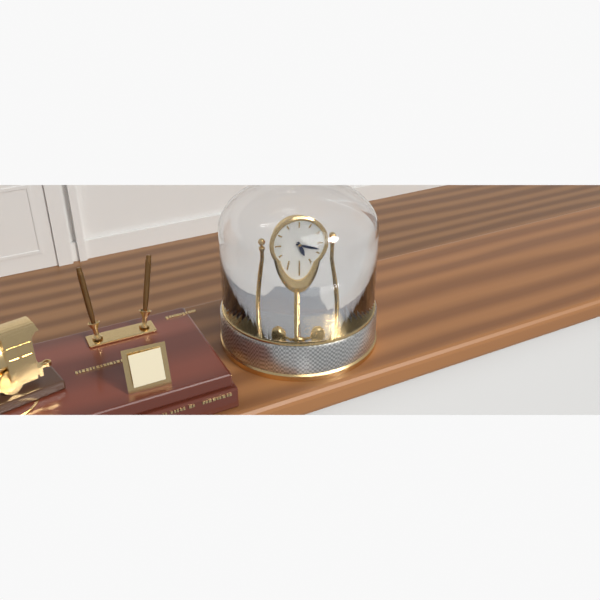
{"hour": 5, "minute": 18}
